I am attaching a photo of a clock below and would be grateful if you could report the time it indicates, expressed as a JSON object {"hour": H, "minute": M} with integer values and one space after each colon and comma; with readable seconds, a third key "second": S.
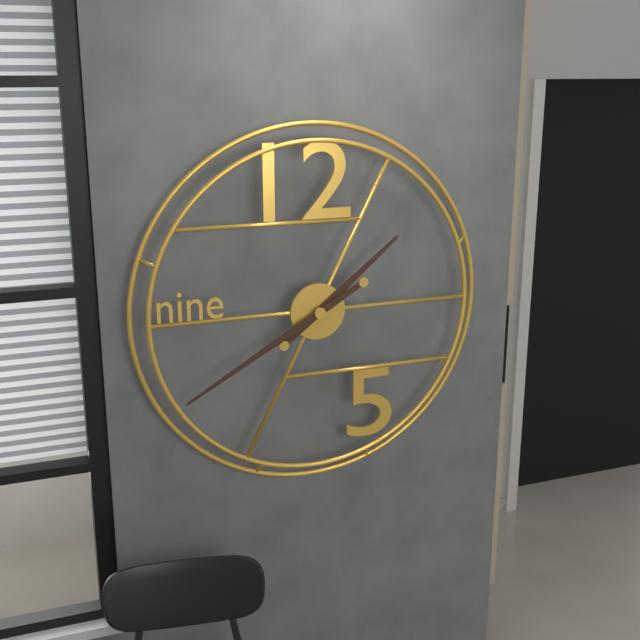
{"hour": 1, "minute": 40}
